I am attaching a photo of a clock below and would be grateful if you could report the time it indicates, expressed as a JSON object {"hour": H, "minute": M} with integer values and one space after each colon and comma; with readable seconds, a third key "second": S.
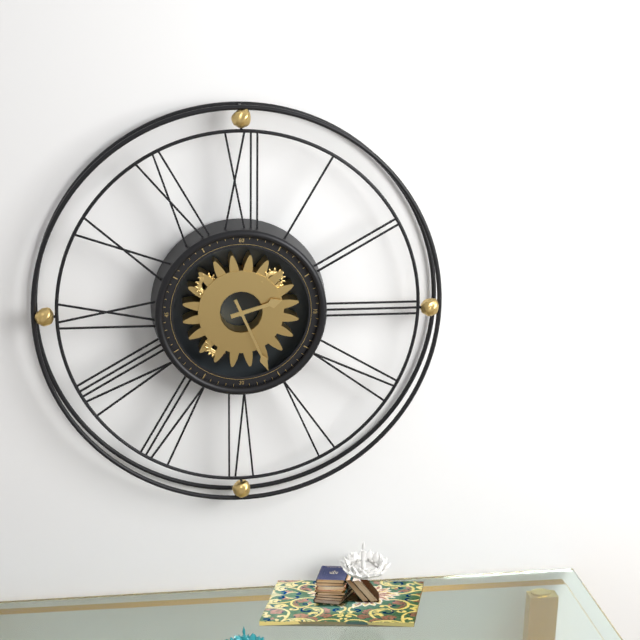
{"hour": 2, "minute": 26}
